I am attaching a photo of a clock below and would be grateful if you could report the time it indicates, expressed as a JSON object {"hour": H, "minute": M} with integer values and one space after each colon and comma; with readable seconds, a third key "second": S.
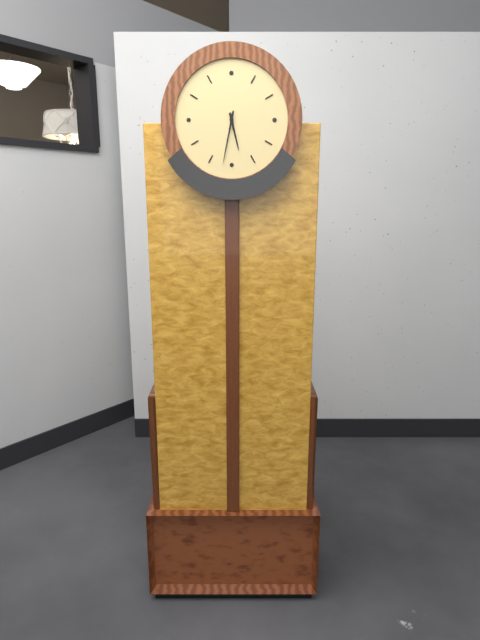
{"hour": 5, "minute": 32}
